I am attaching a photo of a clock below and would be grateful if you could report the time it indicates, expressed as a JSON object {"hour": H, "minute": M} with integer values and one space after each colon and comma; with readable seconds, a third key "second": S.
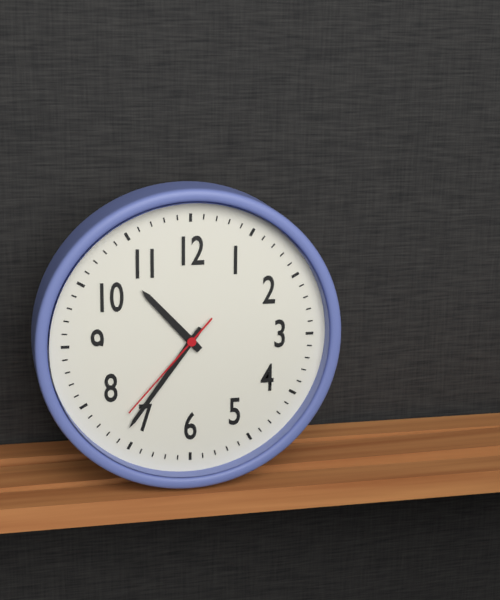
{"hour": 10, "minute": 36, "second": 37}
